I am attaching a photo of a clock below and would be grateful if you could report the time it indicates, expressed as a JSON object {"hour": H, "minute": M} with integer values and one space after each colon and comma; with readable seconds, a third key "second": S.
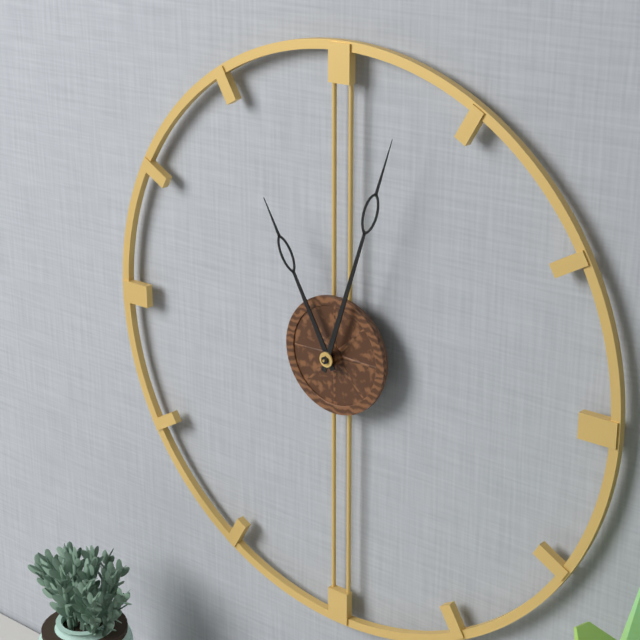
{"hour": 11, "minute": 3}
